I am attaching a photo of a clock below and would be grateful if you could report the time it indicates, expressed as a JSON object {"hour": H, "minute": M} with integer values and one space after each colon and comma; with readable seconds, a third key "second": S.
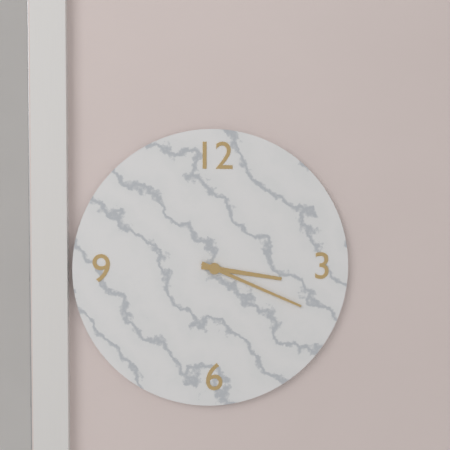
{"hour": 3, "minute": 19}
